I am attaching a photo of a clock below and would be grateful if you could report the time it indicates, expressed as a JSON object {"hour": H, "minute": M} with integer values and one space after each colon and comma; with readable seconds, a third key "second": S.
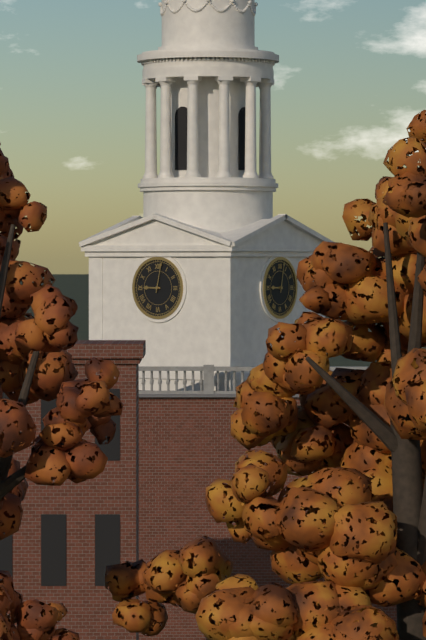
{"hour": 9, "minute": 2}
